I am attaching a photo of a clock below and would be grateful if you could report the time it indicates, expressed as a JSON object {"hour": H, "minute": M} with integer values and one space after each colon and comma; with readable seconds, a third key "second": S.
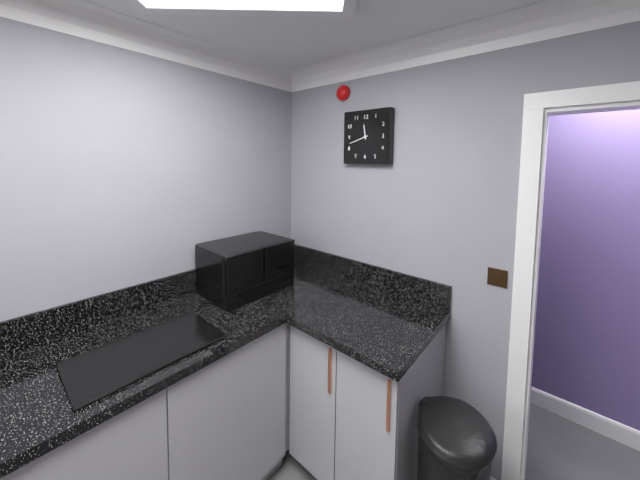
{"hour": 11, "minute": 42}
